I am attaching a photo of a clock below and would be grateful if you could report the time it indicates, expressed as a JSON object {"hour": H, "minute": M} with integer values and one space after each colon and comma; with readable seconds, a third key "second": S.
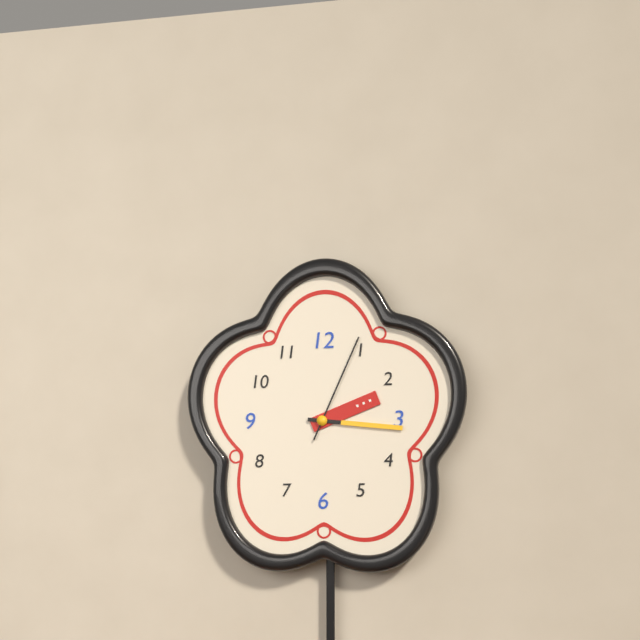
{"hour": 2, "minute": 16, "second": 4}
